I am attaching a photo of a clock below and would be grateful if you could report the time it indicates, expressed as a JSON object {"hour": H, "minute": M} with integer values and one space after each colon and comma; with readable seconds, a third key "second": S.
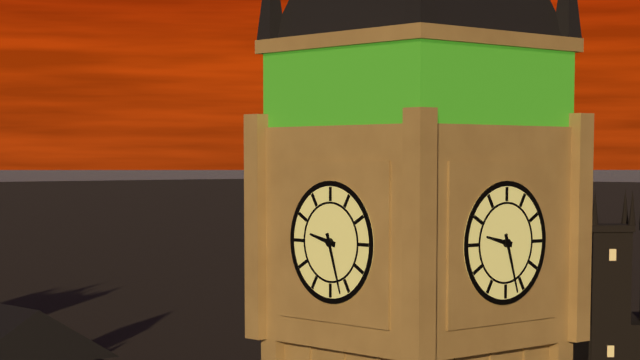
{"hour": 9, "minute": 27}
